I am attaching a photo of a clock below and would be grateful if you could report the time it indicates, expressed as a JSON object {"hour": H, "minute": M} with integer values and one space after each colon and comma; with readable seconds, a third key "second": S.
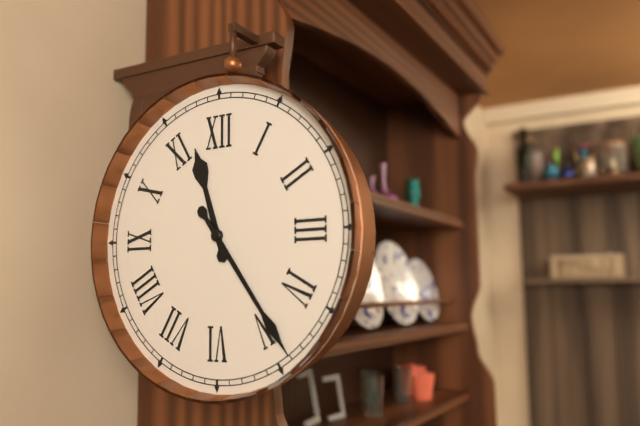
{"hour": 11, "minute": 24}
